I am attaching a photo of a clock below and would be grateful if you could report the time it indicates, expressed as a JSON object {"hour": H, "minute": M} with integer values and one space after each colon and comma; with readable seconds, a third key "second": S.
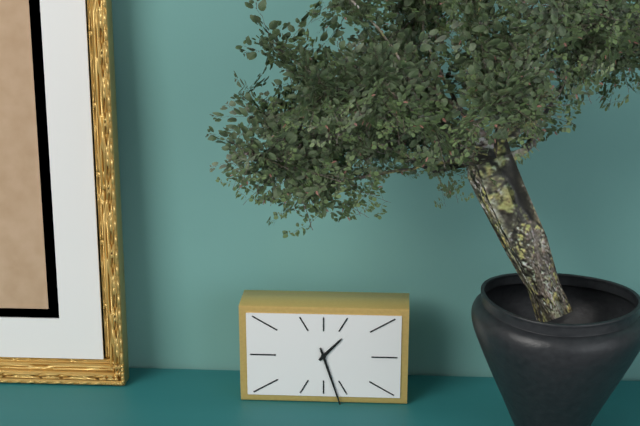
{"hour": 1, "minute": 27}
